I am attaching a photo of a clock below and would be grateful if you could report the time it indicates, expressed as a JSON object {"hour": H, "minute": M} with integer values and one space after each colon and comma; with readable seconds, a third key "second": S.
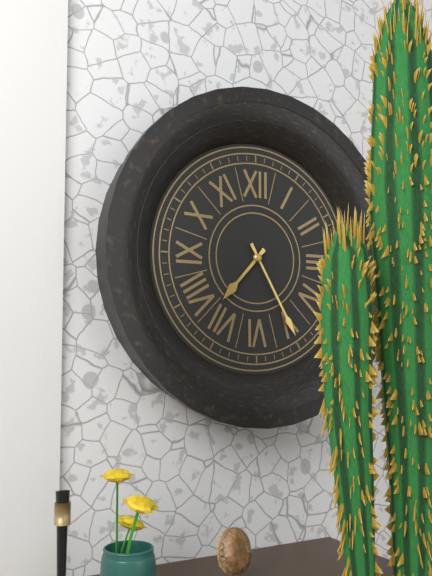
{"hour": 7, "minute": 25}
